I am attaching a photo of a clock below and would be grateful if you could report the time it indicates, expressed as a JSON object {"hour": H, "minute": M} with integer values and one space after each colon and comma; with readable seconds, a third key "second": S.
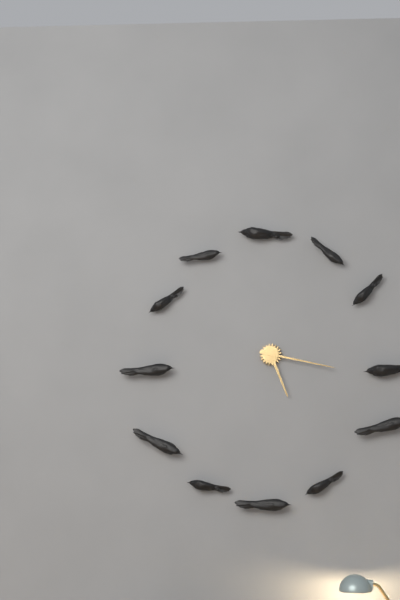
{"hour": 5, "minute": 17}
